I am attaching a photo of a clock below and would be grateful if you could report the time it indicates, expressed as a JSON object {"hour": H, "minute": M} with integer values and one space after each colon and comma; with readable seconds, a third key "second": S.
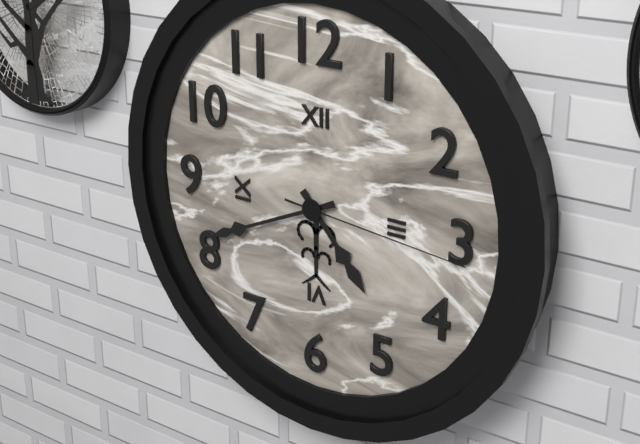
{"hour": 4, "minute": 41, "second": 16}
